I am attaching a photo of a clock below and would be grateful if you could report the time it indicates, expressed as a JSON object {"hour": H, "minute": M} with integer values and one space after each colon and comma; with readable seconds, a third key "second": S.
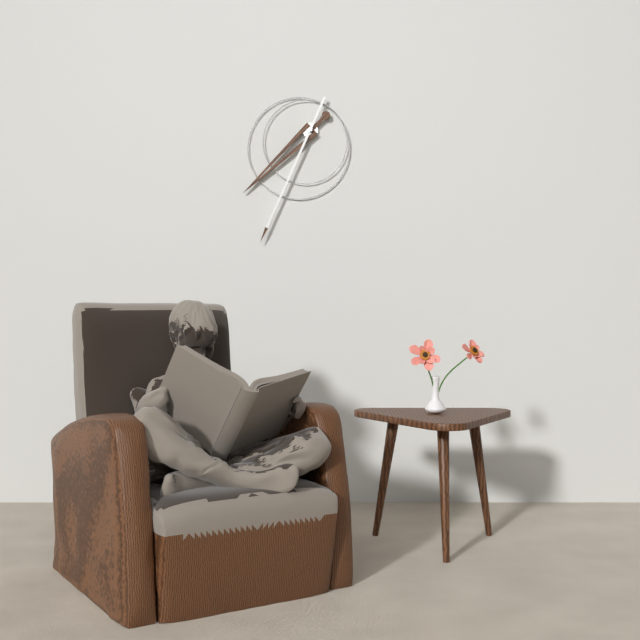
{"hour": 7, "minute": 34}
